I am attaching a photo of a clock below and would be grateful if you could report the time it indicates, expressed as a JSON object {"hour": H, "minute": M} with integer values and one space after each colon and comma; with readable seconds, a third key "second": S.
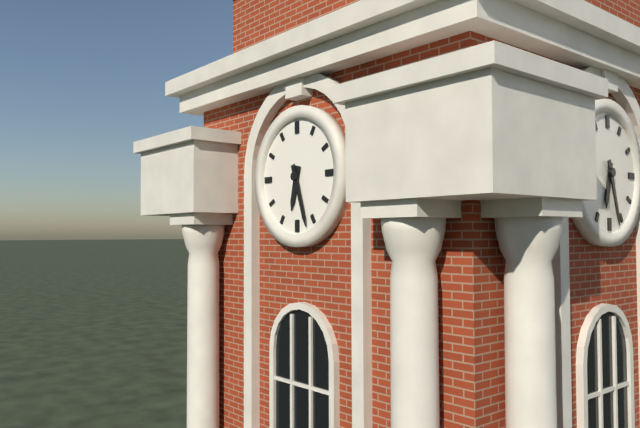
{"hour": 6, "minute": 27}
